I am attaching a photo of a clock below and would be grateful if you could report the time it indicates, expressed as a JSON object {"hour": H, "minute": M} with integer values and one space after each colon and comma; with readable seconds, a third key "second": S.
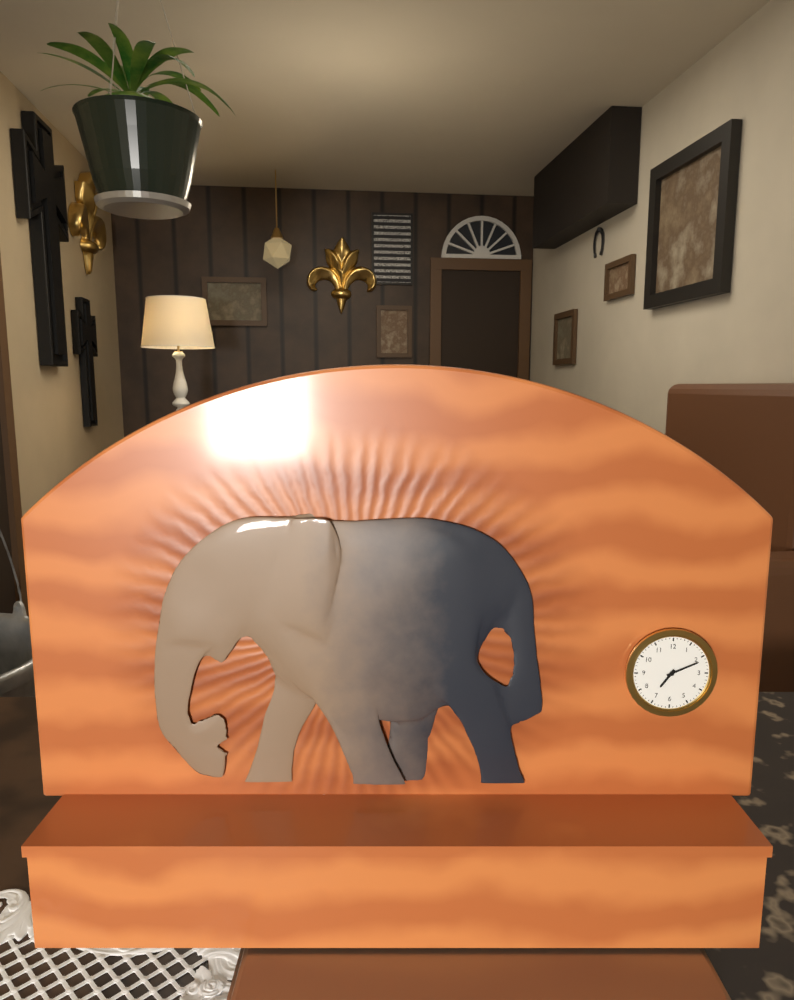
{"hour": 7, "minute": 11}
